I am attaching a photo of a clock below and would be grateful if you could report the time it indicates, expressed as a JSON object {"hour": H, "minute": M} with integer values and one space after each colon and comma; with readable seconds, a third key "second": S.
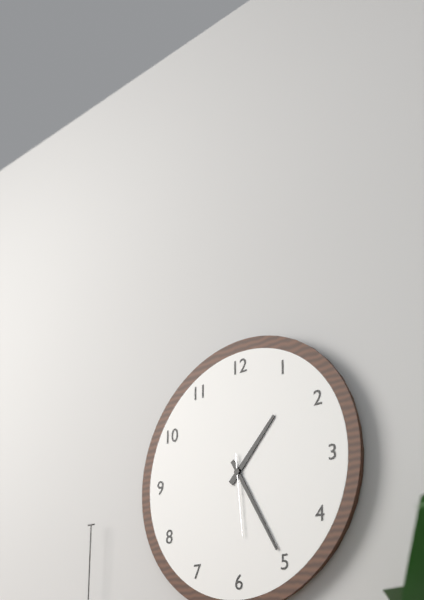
{"hour": 1, "minute": 25, "second": 29}
